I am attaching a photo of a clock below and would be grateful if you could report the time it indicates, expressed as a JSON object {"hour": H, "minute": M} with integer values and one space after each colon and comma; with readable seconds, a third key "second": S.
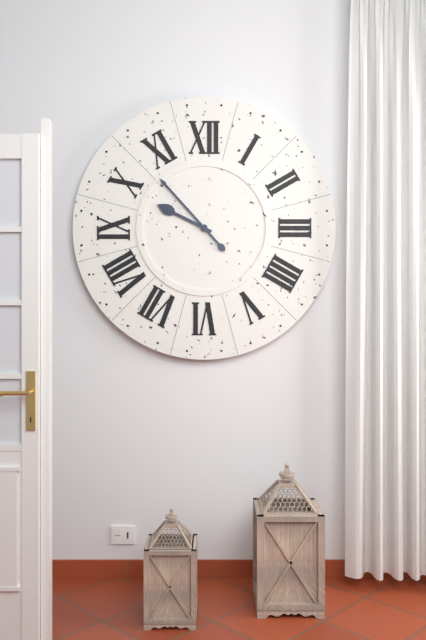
{"hour": 9, "minute": 53}
